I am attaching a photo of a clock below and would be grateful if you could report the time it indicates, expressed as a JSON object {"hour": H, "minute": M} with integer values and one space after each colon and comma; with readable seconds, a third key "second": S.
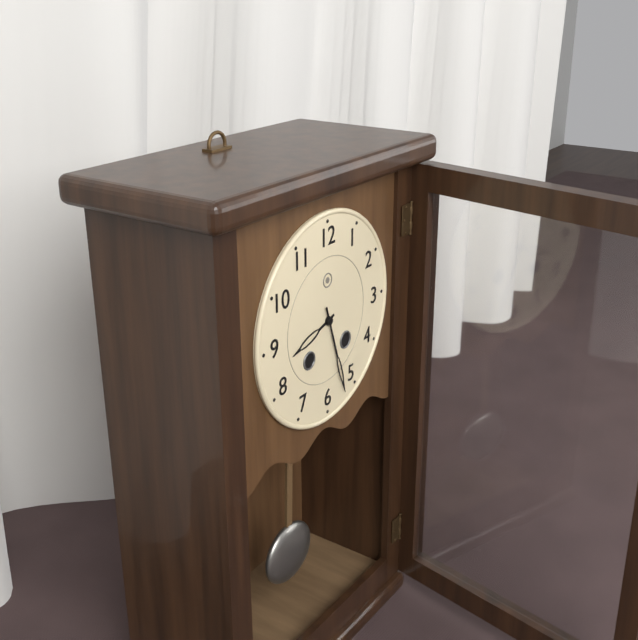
{"hour": 8, "minute": 27}
